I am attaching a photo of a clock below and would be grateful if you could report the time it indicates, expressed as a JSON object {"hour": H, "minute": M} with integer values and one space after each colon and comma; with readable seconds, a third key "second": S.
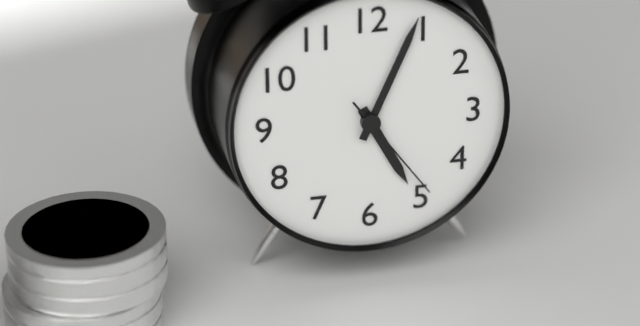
{"hour": 5, "minute": 4, "second": 24}
